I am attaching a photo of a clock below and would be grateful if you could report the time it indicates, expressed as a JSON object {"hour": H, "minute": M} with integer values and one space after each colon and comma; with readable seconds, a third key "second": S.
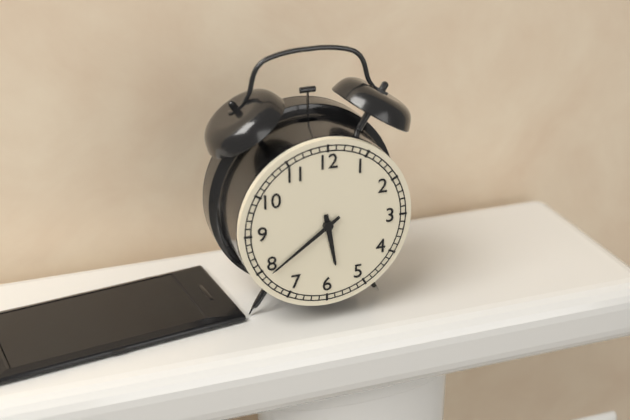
{"hour": 5, "minute": 39}
